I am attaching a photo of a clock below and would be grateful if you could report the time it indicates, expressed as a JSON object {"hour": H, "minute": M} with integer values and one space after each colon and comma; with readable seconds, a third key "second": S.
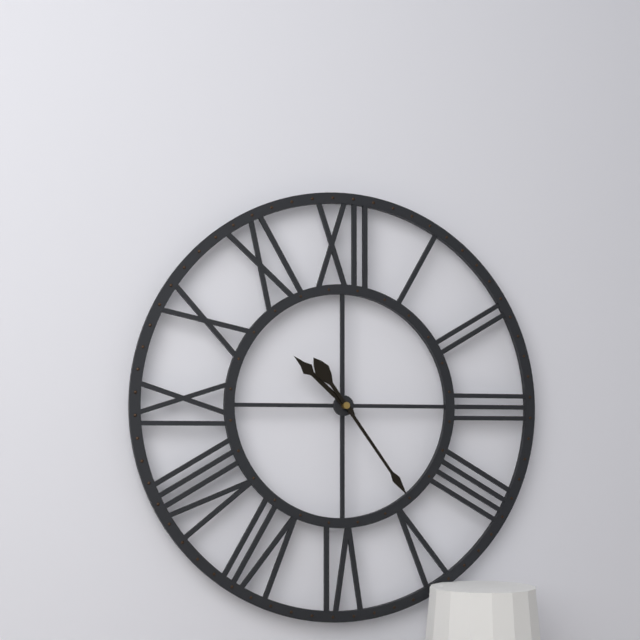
{"hour": 10, "minute": 24}
